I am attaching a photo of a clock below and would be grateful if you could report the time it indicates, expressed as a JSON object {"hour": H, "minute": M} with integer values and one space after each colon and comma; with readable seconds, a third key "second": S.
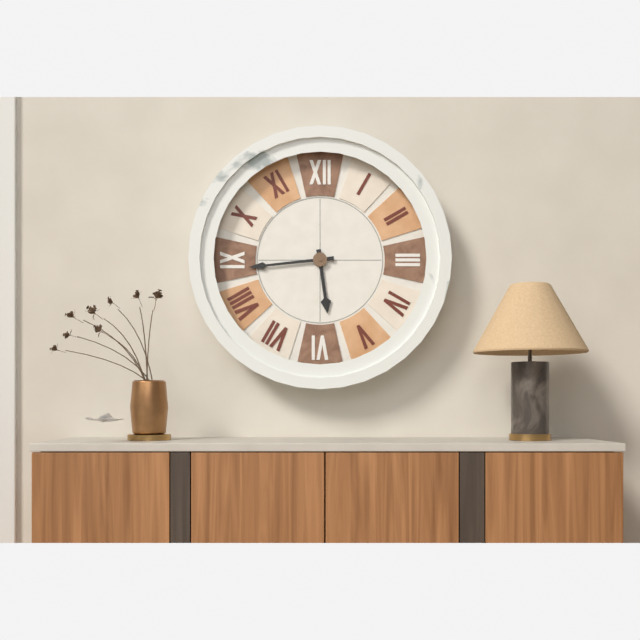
{"hour": 5, "minute": 44}
